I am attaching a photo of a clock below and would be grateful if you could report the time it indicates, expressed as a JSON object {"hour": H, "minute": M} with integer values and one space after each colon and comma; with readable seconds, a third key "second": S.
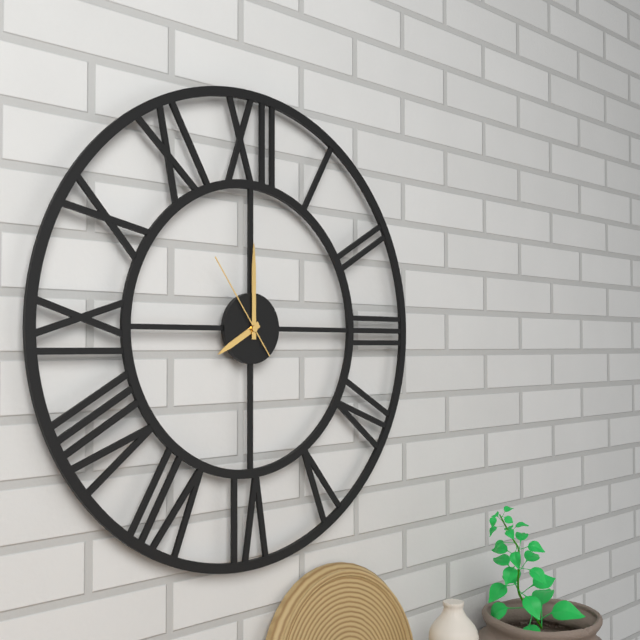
{"hour": 8, "minute": 0, "second": 54}
